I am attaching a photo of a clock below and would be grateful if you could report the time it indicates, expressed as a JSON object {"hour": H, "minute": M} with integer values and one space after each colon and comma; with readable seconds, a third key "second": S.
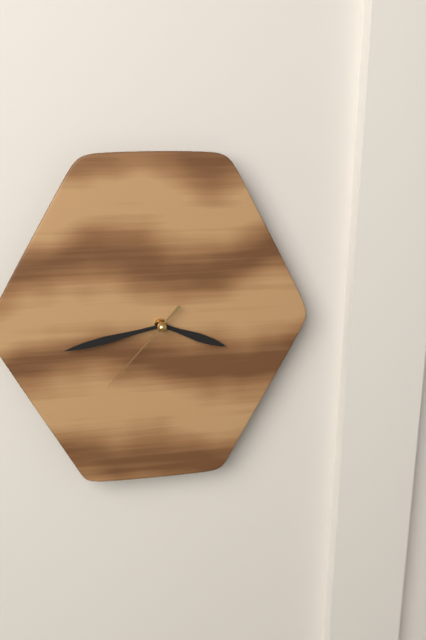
{"hour": 3, "minute": 43, "second": 37}
